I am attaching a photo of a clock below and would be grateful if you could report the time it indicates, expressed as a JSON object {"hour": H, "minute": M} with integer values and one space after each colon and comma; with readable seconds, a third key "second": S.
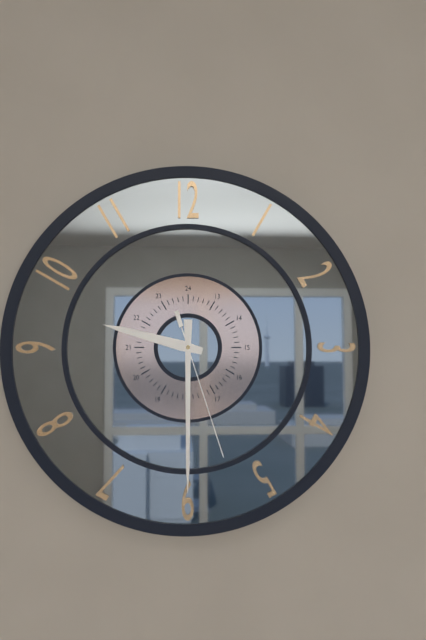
{"hour": 9, "minute": 30, "second": 27}
